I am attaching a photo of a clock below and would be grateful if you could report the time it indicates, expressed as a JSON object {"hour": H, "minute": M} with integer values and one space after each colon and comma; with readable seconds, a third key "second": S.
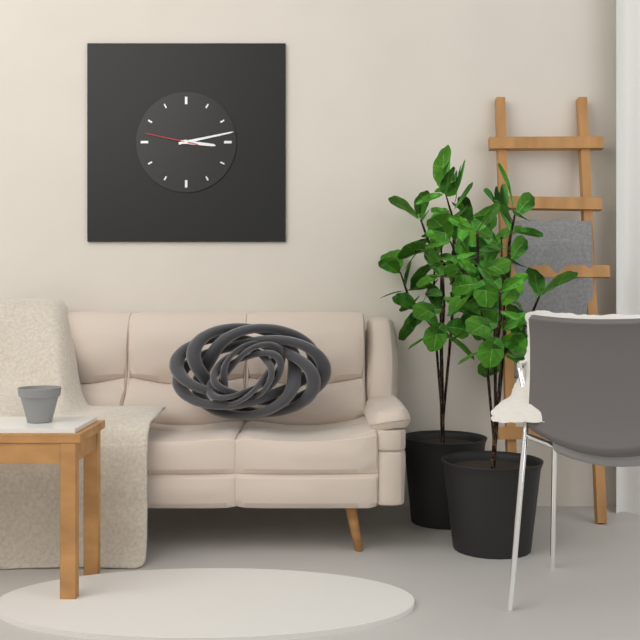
{"hour": 3, "minute": 13, "second": 47}
